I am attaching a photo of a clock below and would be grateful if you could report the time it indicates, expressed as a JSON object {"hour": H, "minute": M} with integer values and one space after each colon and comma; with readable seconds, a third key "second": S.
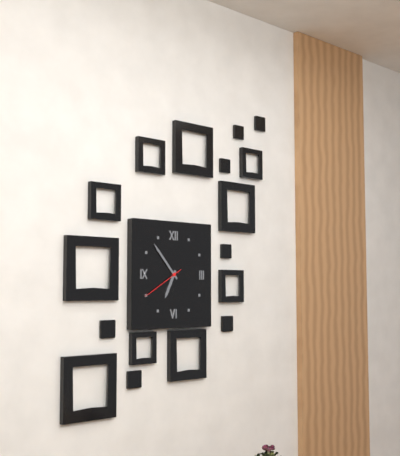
{"hour": 6, "minute": 53}
